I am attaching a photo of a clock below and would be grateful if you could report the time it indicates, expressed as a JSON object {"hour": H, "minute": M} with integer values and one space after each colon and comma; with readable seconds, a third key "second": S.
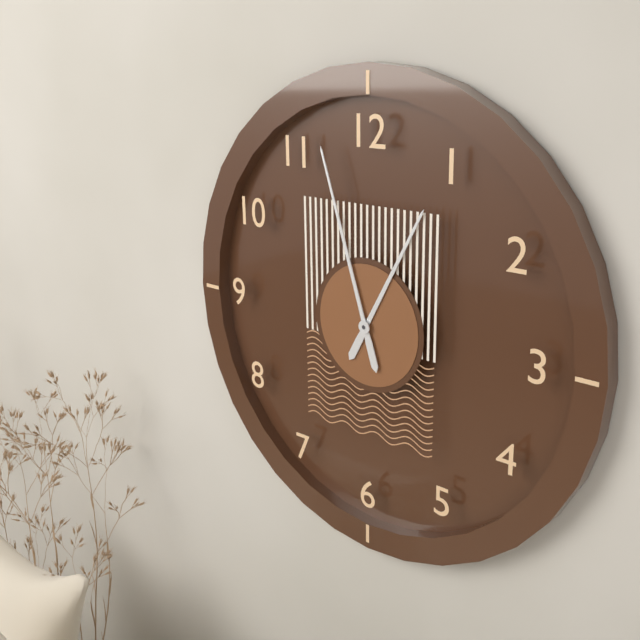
{"hour": 12, "minute": 57}
